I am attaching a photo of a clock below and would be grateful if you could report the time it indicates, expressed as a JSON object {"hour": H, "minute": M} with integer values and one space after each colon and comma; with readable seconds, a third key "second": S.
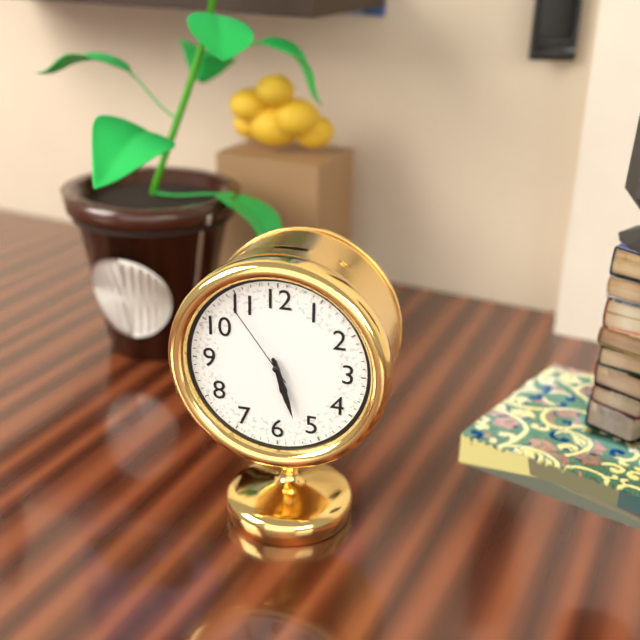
{"hour": 5, "minute": 27, "second": 54}
